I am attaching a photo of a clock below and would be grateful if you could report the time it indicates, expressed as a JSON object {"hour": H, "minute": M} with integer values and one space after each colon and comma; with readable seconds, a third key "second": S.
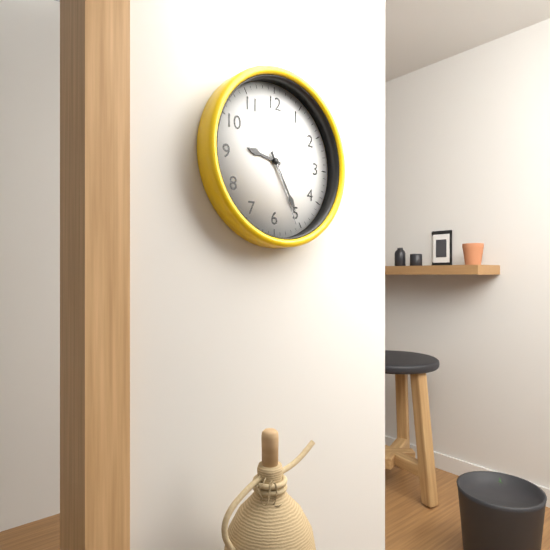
{"hour": 9, "minute": 25, "second": 26}
